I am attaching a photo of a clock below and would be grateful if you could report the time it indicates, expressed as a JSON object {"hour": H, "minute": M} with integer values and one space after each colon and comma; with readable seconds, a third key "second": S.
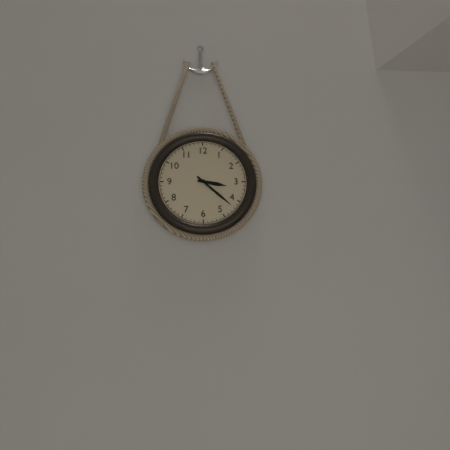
{"hour": 3, "minute": 22}
